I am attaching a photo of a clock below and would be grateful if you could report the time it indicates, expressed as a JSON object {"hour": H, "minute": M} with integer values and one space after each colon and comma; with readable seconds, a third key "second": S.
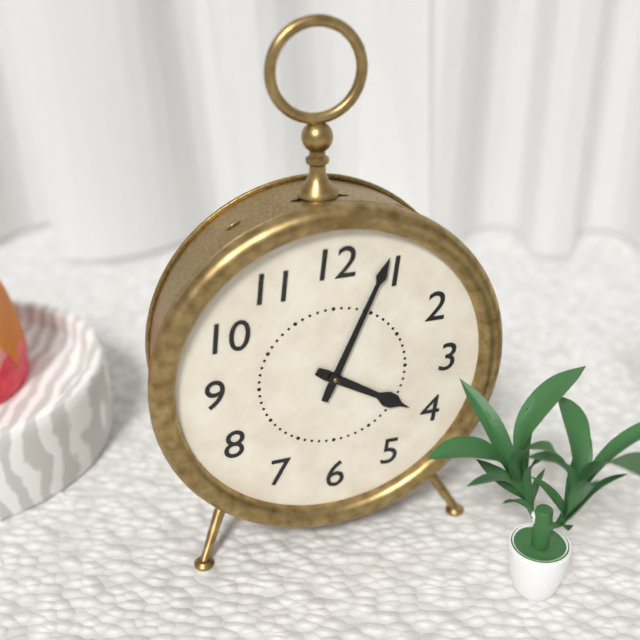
{"hour": 4, "minute": 4}
